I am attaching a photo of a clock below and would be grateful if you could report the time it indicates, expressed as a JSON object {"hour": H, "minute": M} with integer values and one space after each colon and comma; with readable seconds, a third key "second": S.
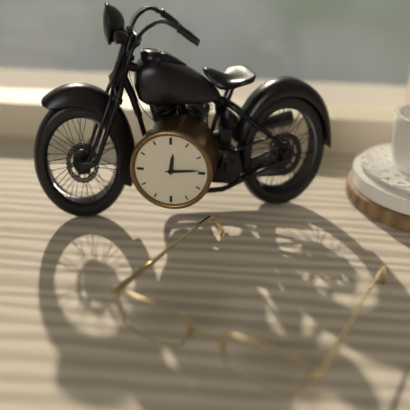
{"hour": 12, "minute": 14}
